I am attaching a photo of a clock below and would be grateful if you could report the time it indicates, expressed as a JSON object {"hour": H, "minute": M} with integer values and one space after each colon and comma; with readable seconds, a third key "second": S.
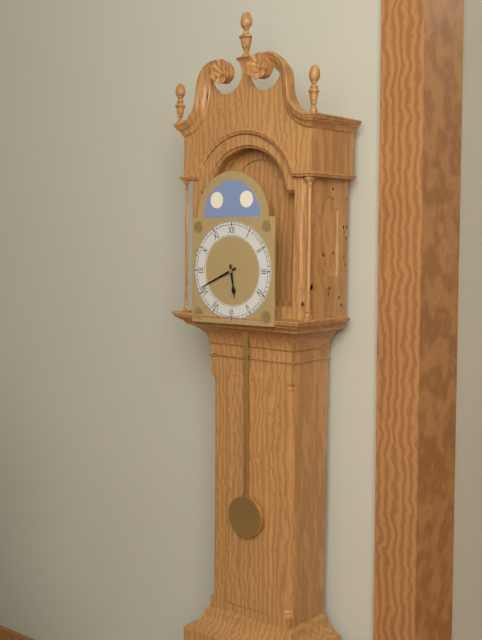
{"hour": 5, "minute": 41}
